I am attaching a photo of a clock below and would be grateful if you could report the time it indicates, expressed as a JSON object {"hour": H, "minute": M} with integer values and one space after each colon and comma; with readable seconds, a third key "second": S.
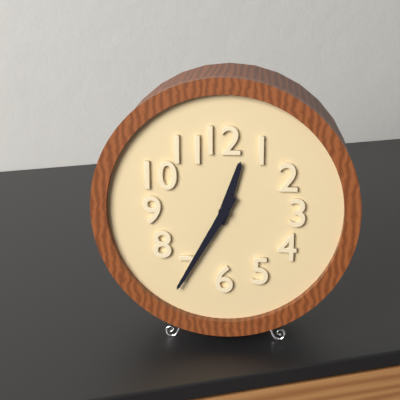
{"hour": 12, "minute": 35}
